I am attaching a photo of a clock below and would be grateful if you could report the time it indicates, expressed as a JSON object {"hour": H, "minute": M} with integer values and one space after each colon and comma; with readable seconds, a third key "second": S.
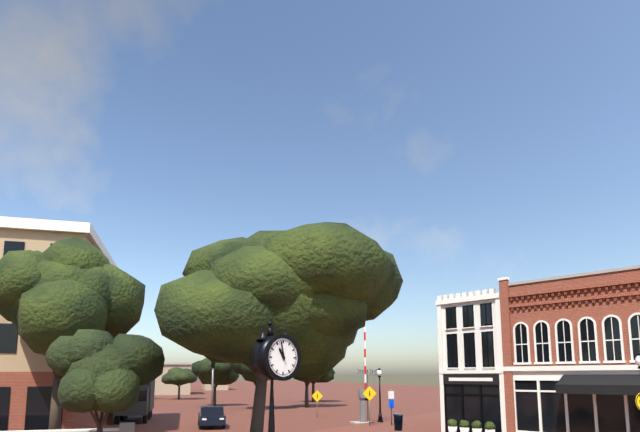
{"hour": 10, "minute": 58}
